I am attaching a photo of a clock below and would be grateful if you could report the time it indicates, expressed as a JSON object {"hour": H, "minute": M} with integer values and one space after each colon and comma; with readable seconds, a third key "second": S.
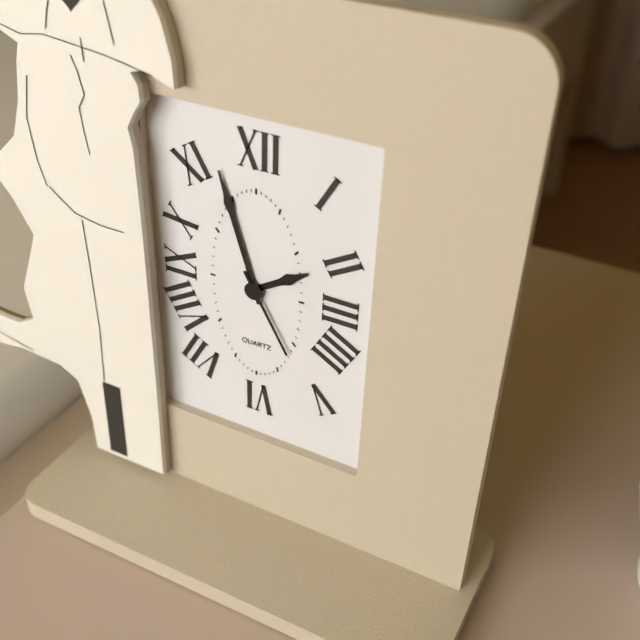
{"hour": 1, "minute": 57, "second": 25}
